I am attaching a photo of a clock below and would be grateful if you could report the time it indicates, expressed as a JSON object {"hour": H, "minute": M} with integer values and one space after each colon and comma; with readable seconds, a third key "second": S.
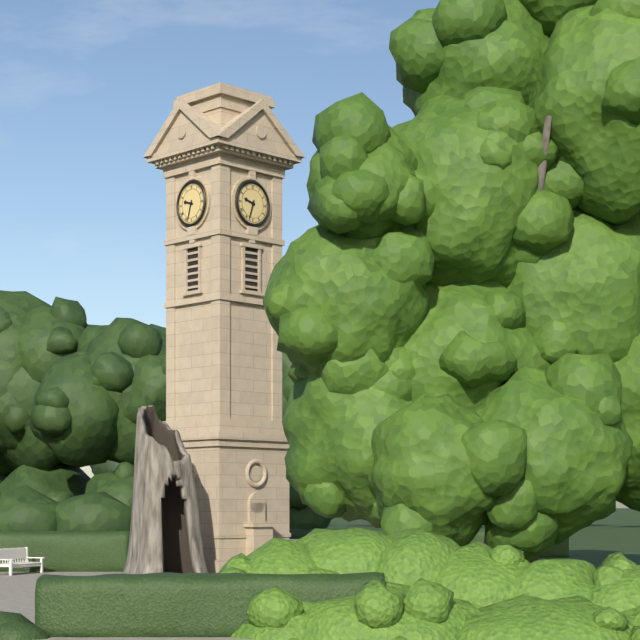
{"hour": 9, "minute": 33}
